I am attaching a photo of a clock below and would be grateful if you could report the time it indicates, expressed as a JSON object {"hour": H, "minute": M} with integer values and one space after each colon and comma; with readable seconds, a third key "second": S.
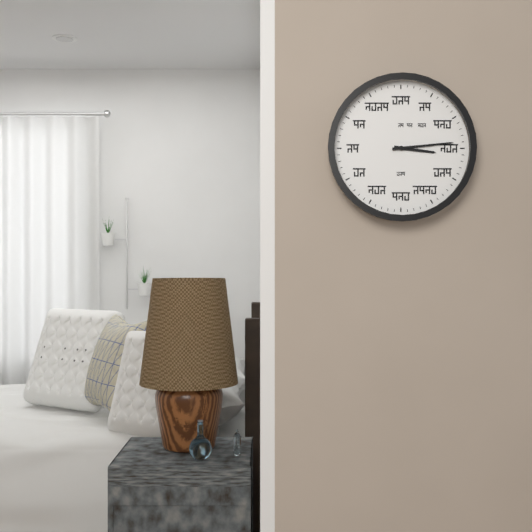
{"hour": 3, "minute": 14}
